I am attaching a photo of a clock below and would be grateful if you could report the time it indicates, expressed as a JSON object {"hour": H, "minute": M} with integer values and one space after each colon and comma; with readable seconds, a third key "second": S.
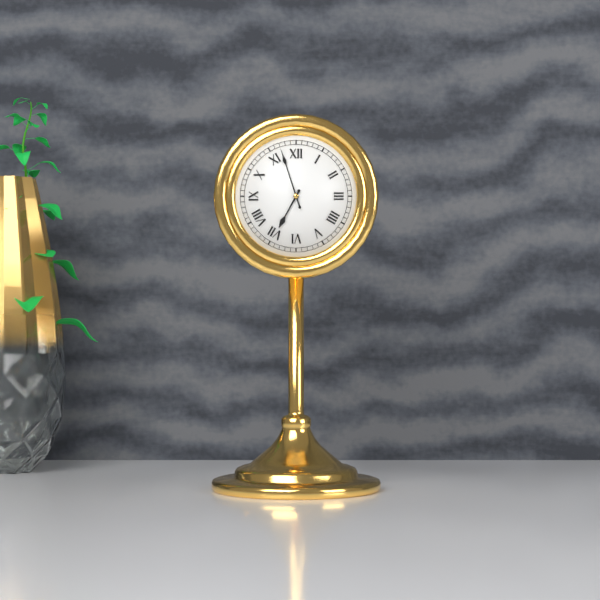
{"hour": 6, "minute": 57}
